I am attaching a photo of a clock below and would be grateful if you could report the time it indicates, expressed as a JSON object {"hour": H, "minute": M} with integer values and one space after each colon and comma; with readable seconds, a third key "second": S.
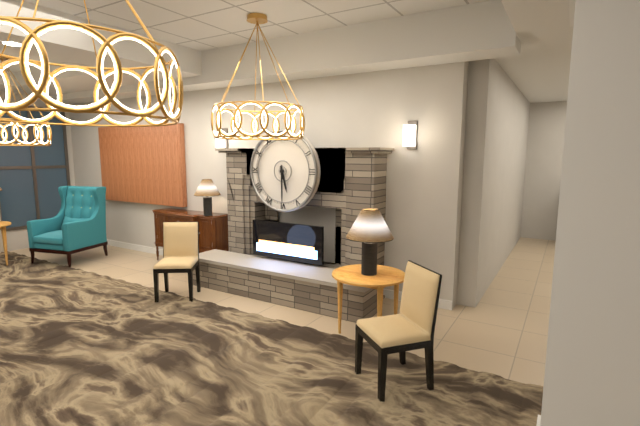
{"hour": 5, "minute": 30}
